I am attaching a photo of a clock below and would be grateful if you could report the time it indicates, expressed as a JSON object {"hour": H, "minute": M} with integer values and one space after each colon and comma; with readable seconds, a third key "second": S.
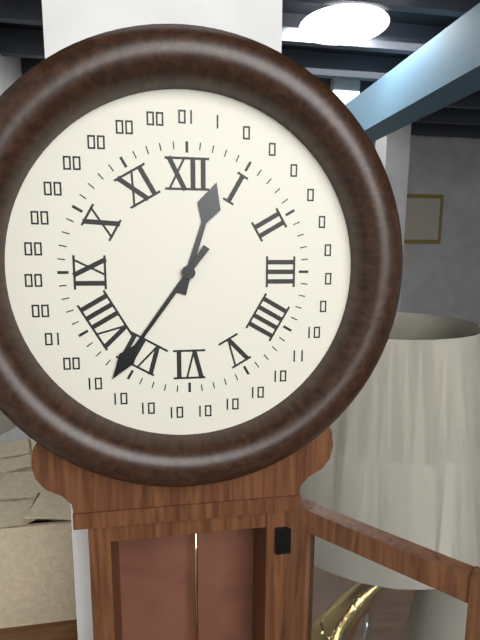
{"hour": 12, "minute": 36}
